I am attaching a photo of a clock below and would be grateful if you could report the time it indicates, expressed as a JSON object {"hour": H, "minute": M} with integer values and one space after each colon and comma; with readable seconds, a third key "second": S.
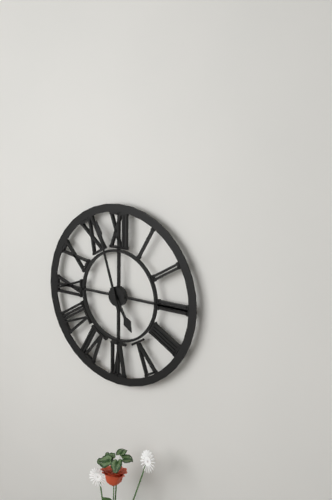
{"hour": 4, "minute": 57}
